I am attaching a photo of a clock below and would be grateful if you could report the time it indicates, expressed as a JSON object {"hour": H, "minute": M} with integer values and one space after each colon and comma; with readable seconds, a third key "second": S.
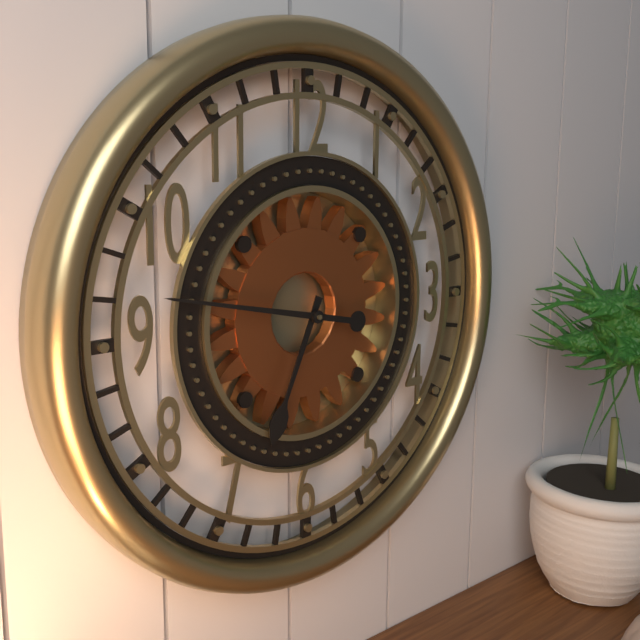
{"hour": 6, "minute": 47}
